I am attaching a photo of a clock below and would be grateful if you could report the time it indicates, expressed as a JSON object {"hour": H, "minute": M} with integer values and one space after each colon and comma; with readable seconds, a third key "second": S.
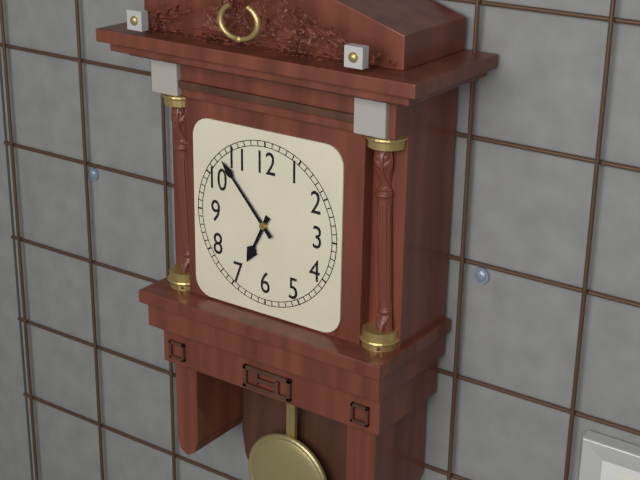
{"hour": 6, "minute": 53}
